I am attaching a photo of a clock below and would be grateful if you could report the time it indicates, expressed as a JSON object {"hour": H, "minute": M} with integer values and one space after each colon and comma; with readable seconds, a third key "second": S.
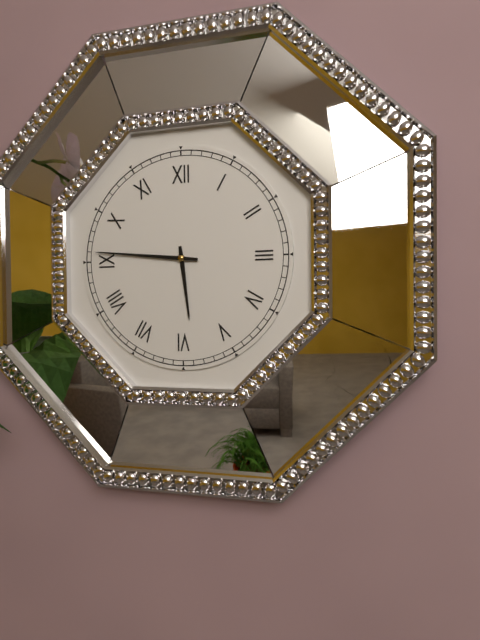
{"hour": 5, "minute": 46}
